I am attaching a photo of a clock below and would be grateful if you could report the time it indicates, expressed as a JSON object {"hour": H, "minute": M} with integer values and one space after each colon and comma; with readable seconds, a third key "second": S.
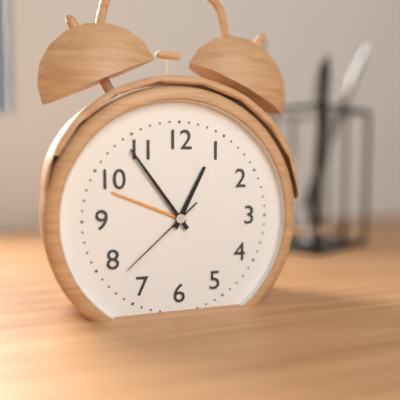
{"hour": 12, "minute": 54, "second": 38}
